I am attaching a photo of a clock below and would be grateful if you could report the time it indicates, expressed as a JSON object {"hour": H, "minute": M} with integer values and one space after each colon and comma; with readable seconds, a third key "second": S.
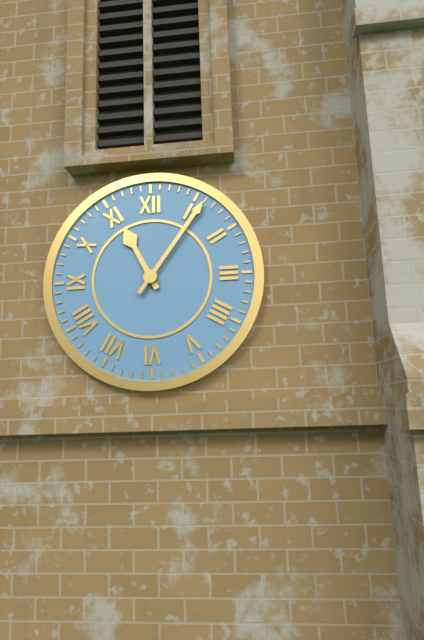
{"hour": 11, "minute": 6}
